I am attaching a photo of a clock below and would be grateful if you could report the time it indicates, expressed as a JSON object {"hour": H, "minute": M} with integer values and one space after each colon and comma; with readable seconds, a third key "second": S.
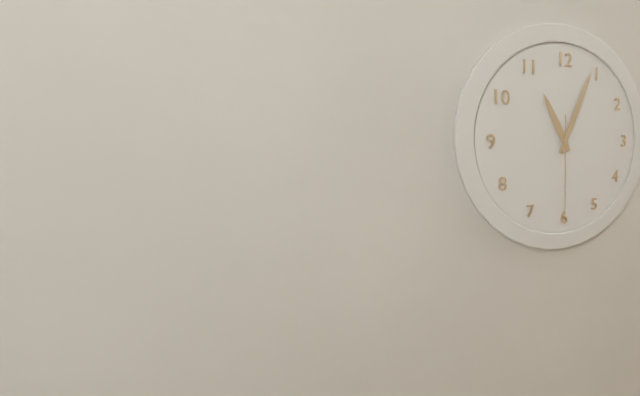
{"hour": 11, "minute": 4, "second": 30}
